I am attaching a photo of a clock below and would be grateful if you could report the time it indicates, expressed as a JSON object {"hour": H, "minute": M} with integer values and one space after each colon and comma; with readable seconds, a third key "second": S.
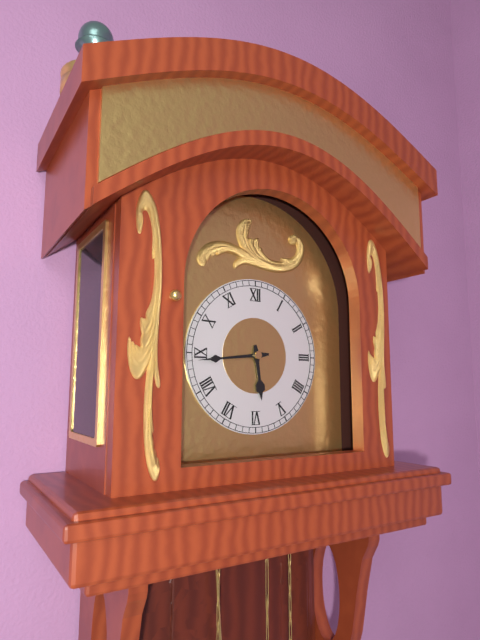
{"hour": 5, "minute": 44}
